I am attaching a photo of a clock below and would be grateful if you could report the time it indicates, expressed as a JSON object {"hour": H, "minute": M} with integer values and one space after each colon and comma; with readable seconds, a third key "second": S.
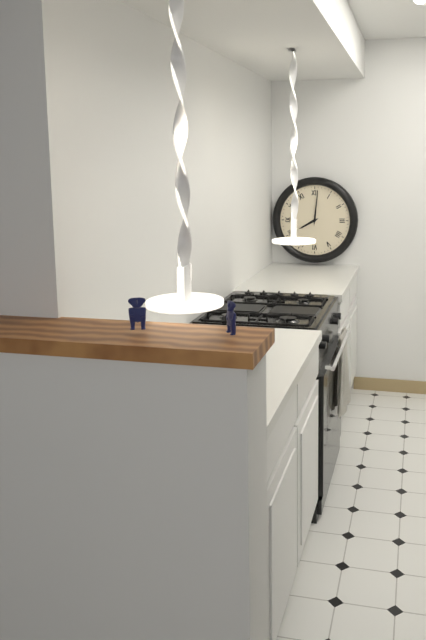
{"hour": 8, "minute": 1}
